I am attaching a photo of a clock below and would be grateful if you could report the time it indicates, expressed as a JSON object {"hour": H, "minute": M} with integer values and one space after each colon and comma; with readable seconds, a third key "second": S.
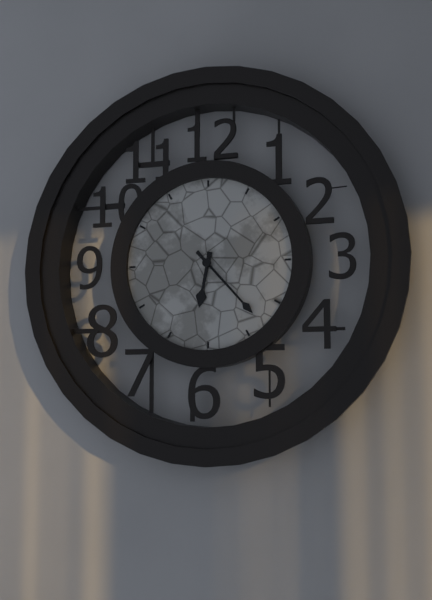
{"hour": 6, "minute": 23}
